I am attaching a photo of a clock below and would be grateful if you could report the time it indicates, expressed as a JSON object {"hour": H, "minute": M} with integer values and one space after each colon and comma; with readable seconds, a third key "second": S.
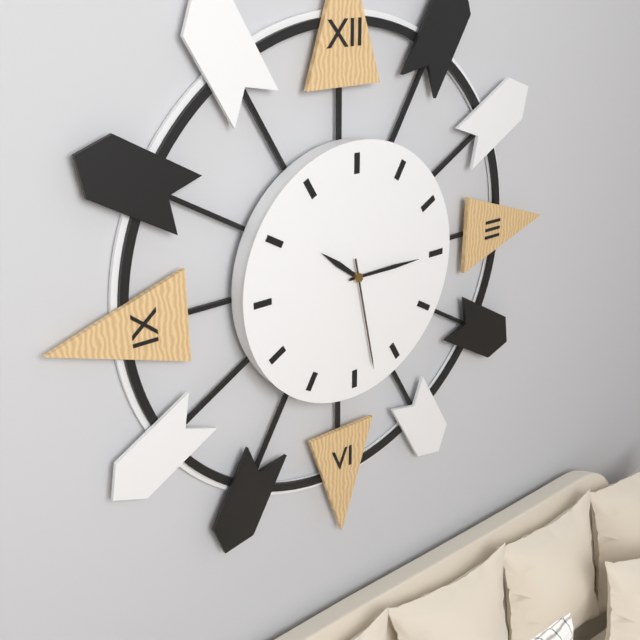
{"hour": 10, "minute": 15, "second": 28}
